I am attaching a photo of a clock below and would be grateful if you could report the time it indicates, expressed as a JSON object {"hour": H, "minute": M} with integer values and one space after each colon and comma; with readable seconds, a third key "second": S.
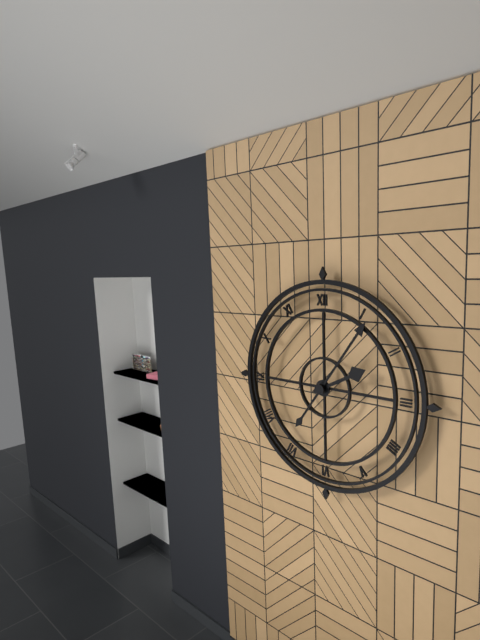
{"hour": 2, "minute": 6}
